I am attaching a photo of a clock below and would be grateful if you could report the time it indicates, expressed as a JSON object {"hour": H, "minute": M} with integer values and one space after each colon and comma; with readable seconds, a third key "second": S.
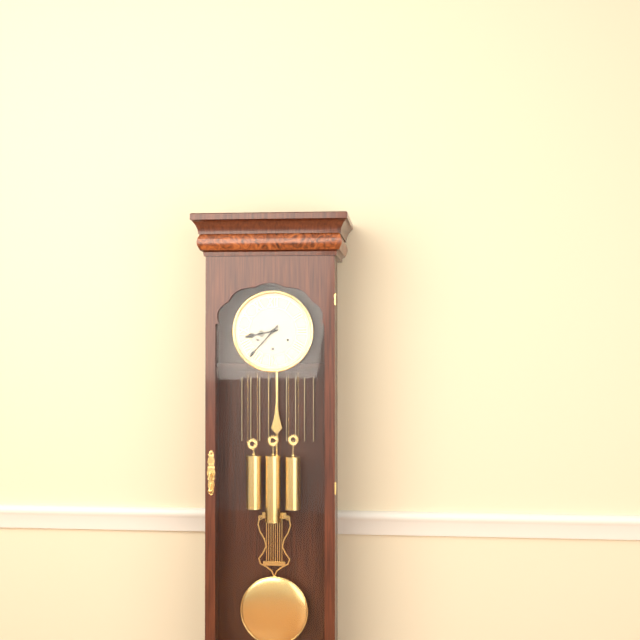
{"hour": 8, "minute": 37}
